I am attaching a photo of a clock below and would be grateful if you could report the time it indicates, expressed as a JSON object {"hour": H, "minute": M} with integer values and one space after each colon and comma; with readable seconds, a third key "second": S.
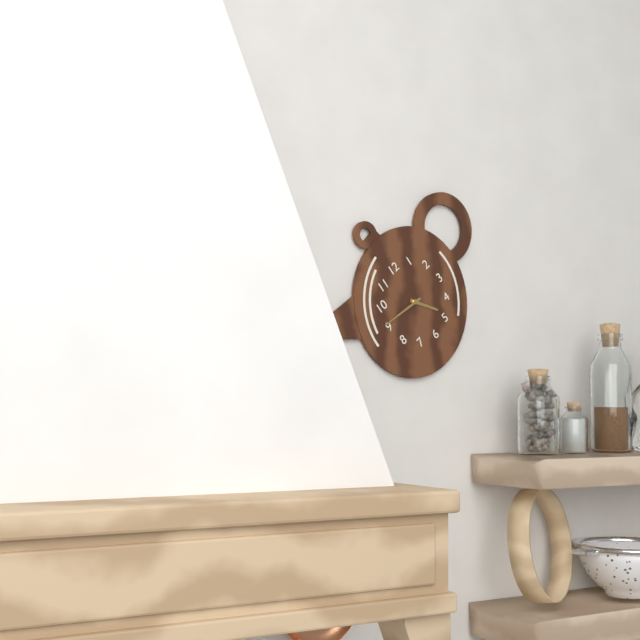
{"hour": 4, "minute": 46}
